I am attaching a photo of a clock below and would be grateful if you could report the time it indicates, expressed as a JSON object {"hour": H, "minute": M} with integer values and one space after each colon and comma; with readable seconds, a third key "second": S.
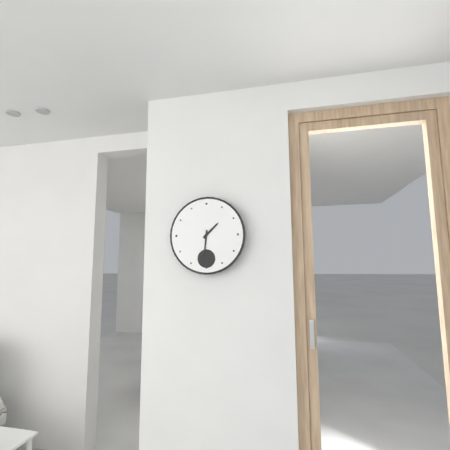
{"hour": 1, "minute": 31}
